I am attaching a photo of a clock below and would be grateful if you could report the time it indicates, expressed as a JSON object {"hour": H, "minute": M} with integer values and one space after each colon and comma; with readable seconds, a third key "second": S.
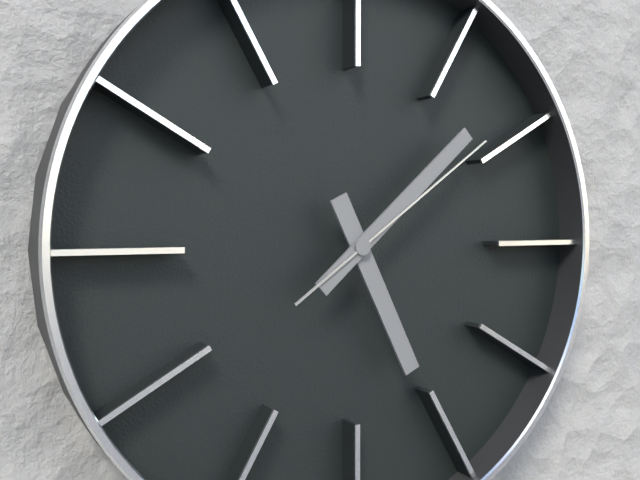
{"hour": 5, "minute": 8, "second": 9}
